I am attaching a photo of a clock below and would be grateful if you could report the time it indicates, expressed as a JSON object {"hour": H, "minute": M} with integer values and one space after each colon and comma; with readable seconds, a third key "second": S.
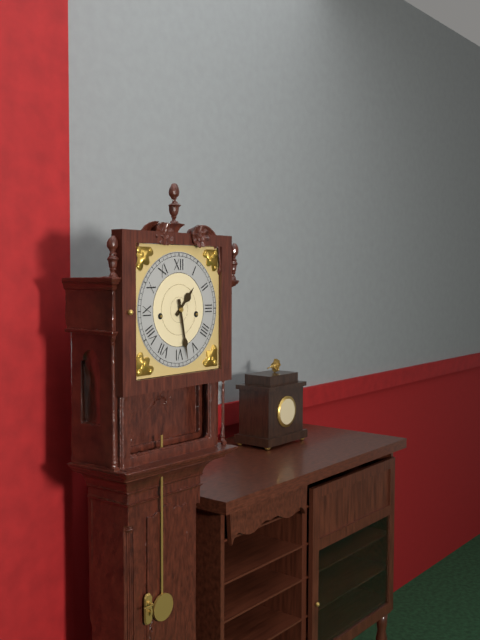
{"hour": 1, "minute": 28}
